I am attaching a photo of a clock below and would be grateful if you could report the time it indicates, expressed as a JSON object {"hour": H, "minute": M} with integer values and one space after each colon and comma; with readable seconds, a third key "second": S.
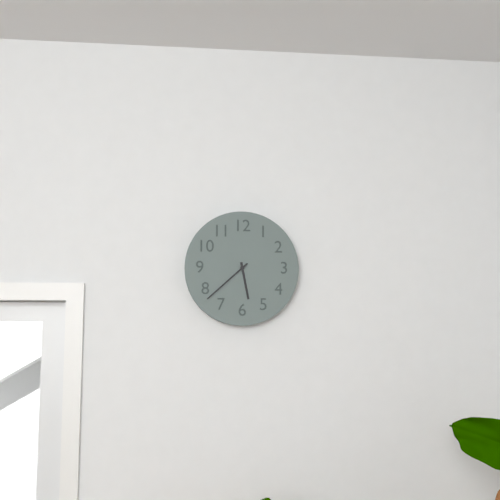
{"hour": 5, "minute": 38}
